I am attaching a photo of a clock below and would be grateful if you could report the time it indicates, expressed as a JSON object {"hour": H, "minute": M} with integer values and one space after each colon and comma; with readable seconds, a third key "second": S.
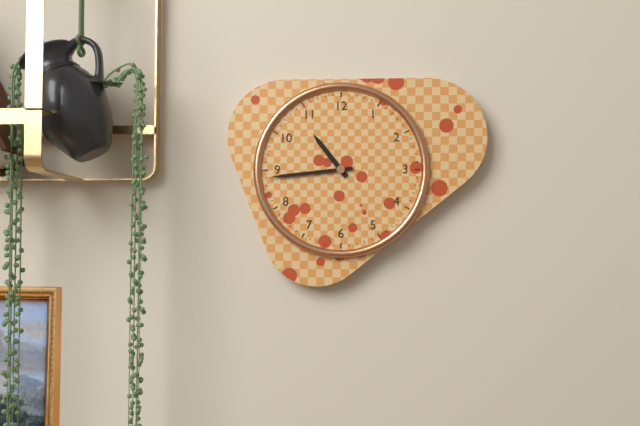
{"hour": 10, "minute": 44}
